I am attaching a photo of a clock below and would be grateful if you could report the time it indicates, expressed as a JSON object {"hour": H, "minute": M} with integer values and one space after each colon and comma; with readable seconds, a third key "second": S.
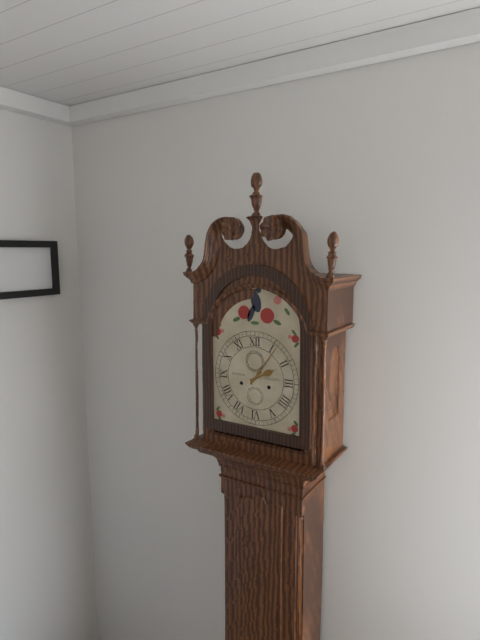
{"hour": 2, "minute": 6}
